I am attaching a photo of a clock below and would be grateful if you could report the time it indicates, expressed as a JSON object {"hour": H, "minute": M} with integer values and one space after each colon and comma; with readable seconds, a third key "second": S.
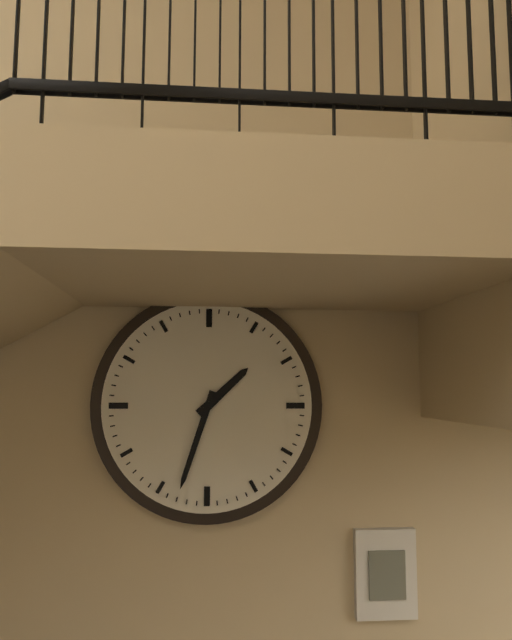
{"hour": 1, "minute": 33}
